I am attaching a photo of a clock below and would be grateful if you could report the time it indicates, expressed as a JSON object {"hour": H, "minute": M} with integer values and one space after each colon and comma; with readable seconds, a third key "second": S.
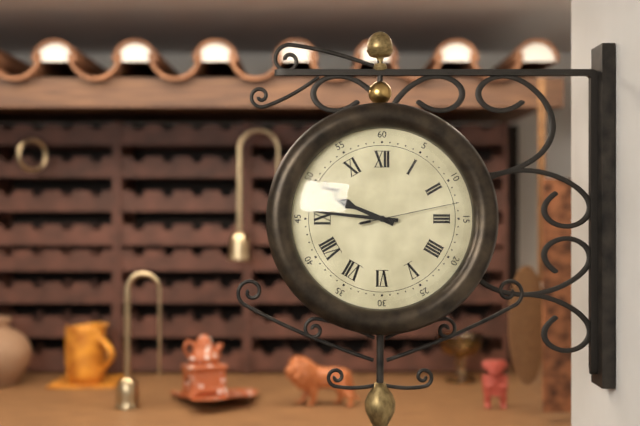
{"hour": 9, "minute": 46, "second": 13}
